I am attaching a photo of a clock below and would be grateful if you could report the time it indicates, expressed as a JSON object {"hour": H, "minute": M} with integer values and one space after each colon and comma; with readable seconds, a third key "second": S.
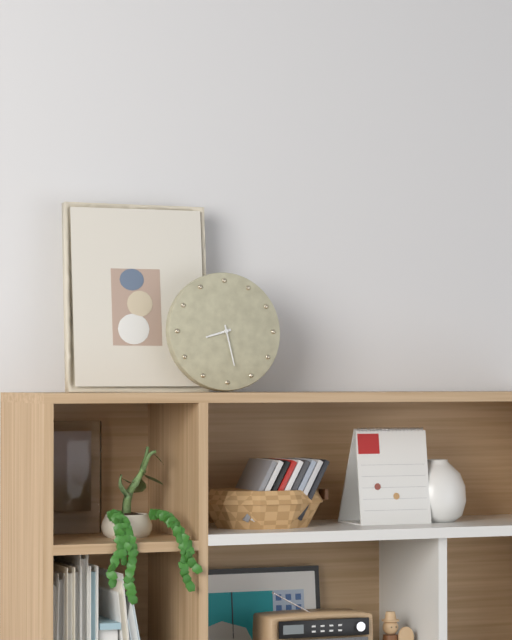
{"hour": 8, "minute": 28}
